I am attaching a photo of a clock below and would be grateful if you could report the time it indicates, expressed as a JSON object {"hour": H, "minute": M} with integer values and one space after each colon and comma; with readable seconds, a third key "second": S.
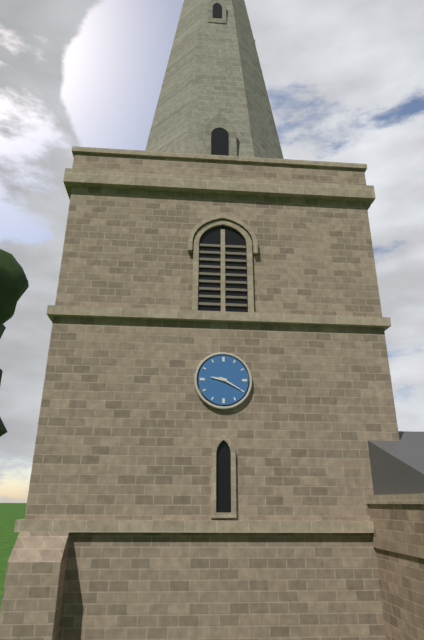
{"hour": 9, "minute": 20}
